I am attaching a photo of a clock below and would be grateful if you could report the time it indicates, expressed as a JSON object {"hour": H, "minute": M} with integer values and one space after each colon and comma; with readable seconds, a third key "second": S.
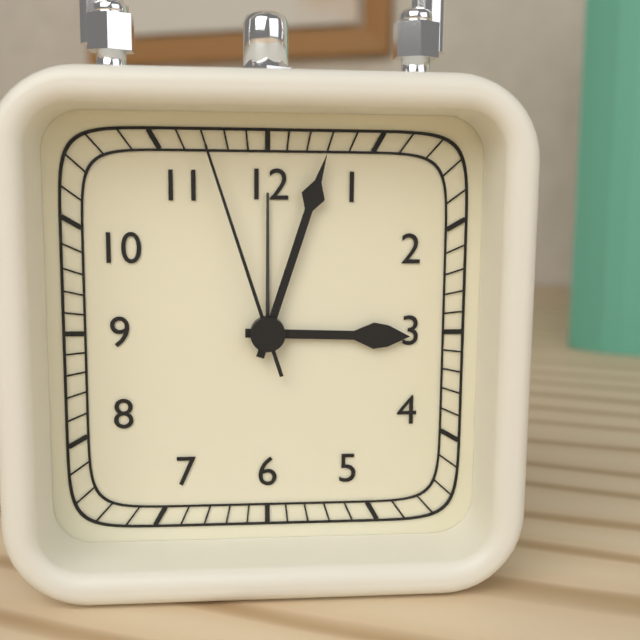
{"hour": 3, "minute": 3, "second": 57}
